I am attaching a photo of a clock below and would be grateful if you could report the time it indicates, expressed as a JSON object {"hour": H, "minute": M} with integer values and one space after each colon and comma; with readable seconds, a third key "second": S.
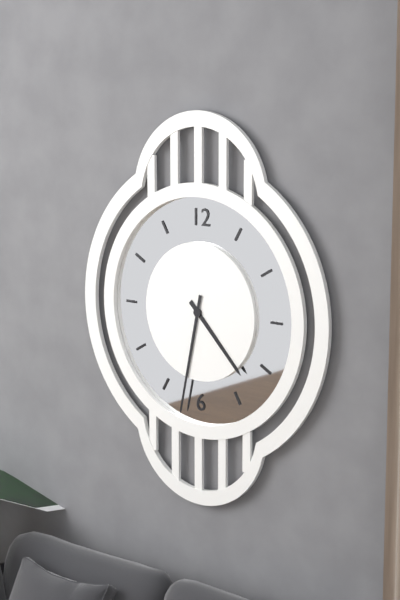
{"hour": 4, "minute": 32}
